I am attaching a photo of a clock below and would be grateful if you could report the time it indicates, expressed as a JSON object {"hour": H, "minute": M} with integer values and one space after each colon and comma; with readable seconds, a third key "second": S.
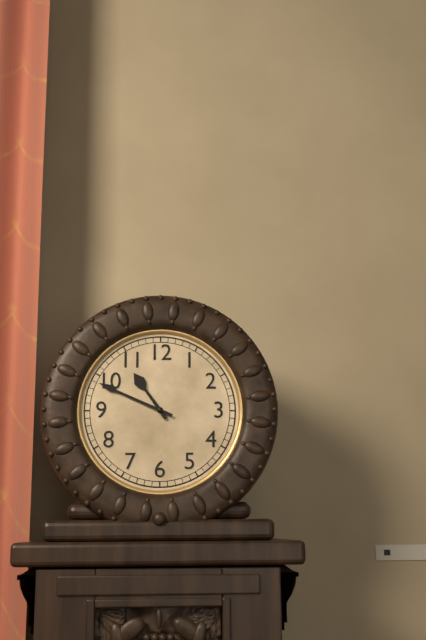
{"hour": 10, "minute": 49}
